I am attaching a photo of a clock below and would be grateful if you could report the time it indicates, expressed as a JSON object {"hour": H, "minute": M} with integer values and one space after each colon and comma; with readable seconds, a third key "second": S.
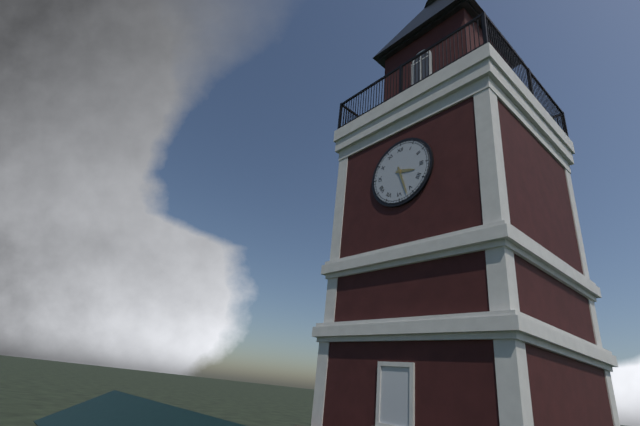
{"hour": 3, "minute": 27}
